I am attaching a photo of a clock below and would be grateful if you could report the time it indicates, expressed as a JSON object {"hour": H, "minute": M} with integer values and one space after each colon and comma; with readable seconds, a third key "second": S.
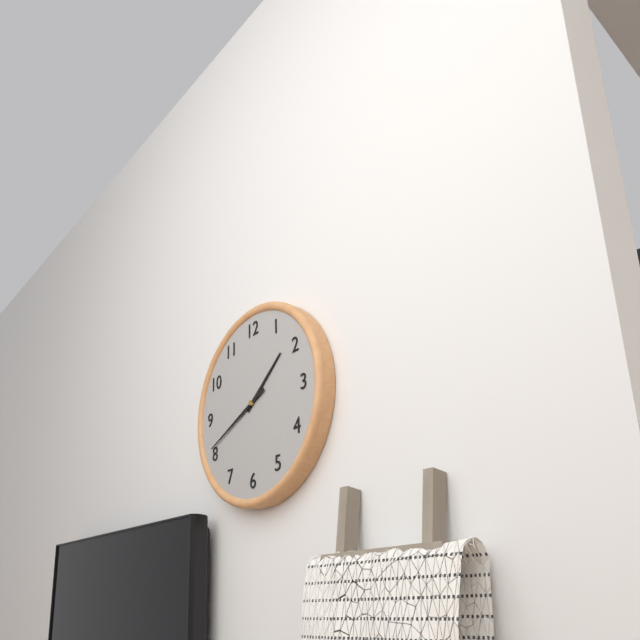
{"hour": 1, "minute": 41}
